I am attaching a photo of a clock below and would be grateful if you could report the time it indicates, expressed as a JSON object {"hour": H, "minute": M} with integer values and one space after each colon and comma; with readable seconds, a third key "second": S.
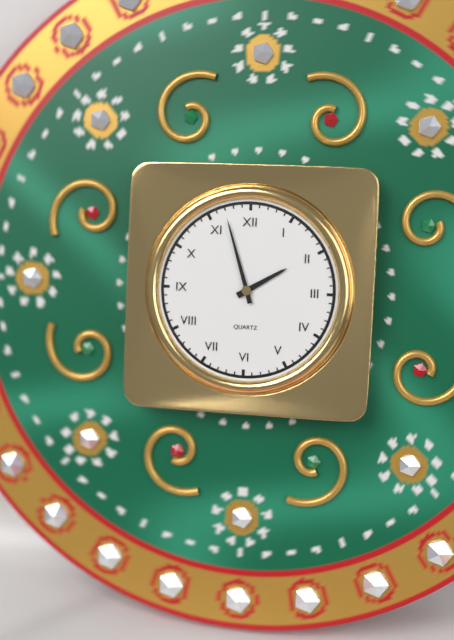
{"hour": 1, "minute": 57}
